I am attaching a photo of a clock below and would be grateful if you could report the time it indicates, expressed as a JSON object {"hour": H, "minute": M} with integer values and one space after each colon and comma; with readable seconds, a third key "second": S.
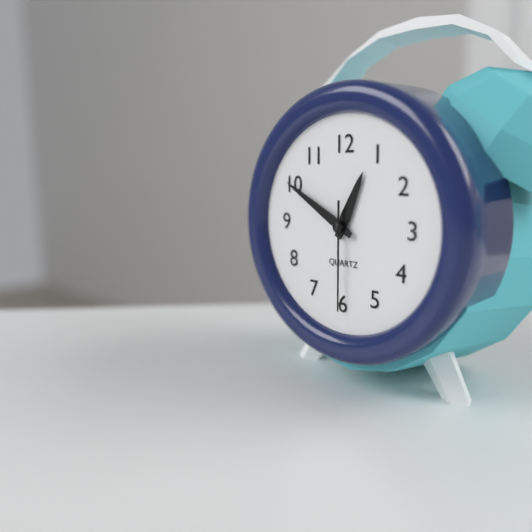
{"hour": 12, "minute": 50, "second": 30}
